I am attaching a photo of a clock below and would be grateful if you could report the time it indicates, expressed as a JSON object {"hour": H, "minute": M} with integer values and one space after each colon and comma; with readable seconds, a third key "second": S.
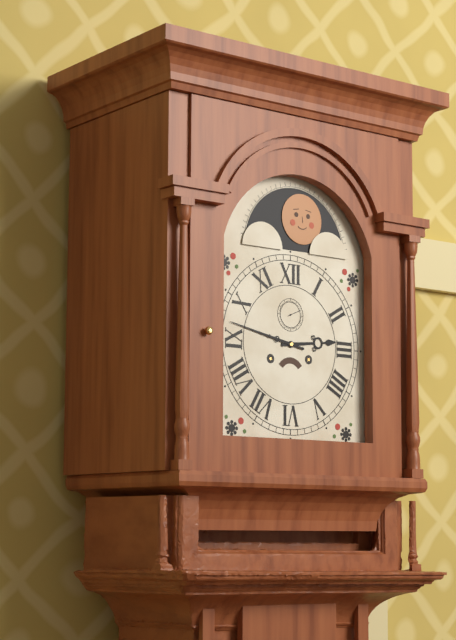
{"hour": 2, "minute": 47}
